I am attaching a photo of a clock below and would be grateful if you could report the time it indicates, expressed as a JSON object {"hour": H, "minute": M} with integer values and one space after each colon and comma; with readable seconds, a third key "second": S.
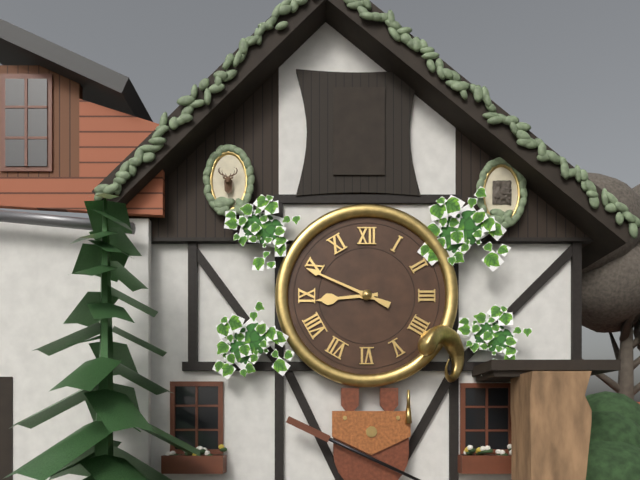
{"hour": 8, "minute": 49}
